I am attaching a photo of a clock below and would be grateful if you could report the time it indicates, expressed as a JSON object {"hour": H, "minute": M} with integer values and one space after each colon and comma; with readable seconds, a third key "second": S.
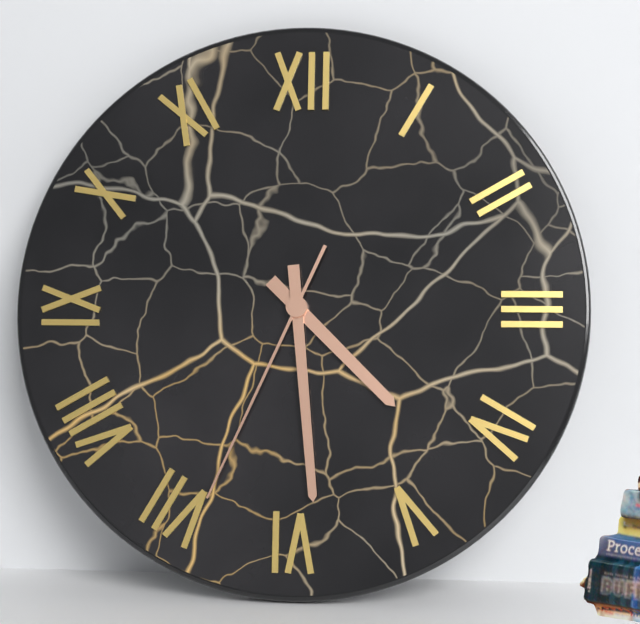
{"hour": 4, "minute": 29, "second": 34}
